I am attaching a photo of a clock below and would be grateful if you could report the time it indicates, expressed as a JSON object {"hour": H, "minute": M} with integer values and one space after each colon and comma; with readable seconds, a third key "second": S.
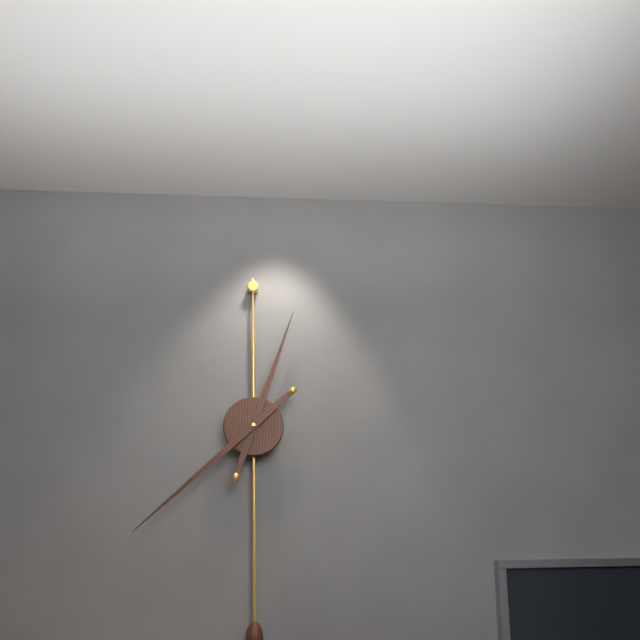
{"hour": 12, "minute": 38}
